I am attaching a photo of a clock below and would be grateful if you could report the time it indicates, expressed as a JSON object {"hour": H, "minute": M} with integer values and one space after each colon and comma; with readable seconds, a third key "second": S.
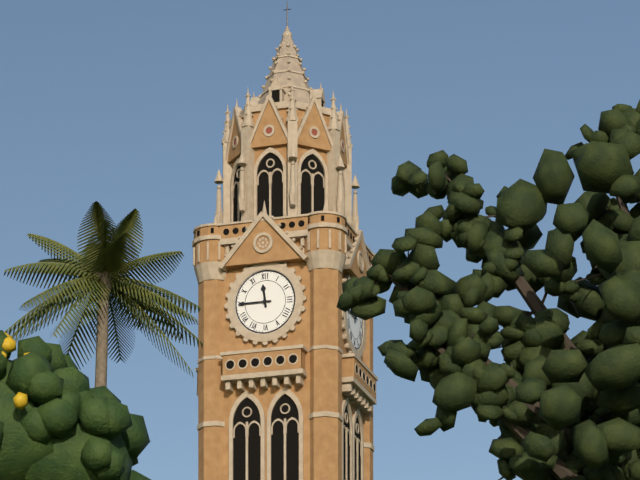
{"hour": 11, "minute": 45}
